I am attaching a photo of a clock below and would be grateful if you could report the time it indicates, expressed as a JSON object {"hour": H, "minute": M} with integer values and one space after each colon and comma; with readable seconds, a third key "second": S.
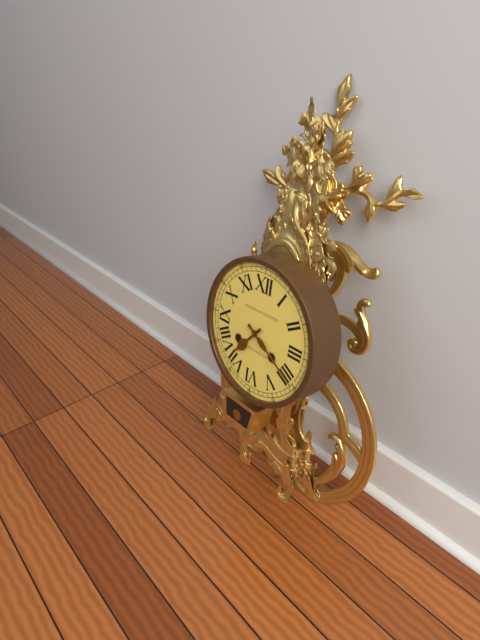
{"hour": 7, "minute": 20}
